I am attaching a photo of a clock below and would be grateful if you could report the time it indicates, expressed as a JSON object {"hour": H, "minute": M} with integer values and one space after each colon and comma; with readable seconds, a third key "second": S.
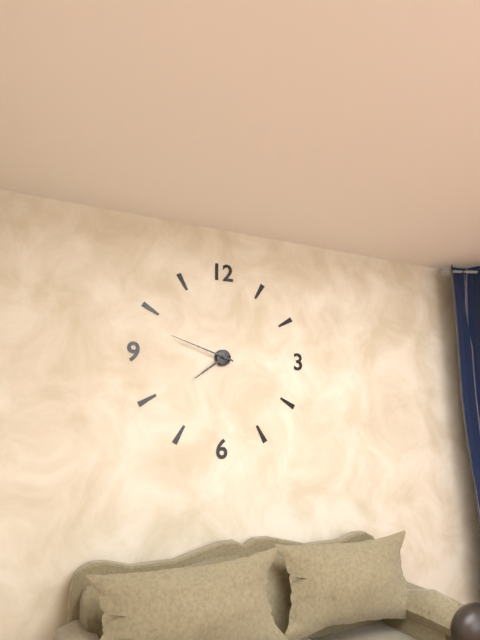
{"hour": 7, "minute": 48}
